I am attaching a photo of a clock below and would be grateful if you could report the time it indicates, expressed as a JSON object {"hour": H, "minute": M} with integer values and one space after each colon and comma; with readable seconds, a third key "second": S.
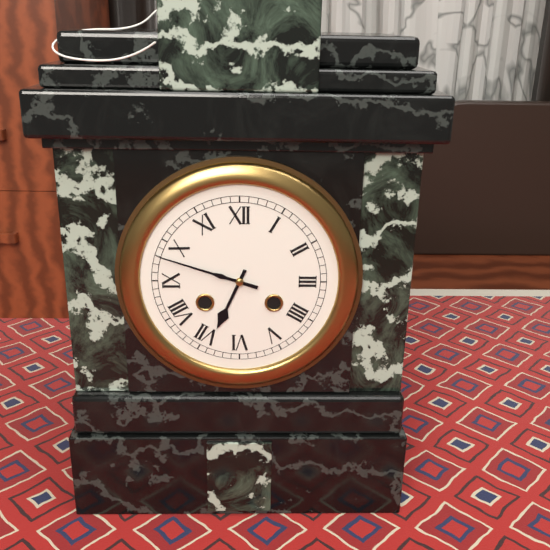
{"hour": 6, "minute": 48}
